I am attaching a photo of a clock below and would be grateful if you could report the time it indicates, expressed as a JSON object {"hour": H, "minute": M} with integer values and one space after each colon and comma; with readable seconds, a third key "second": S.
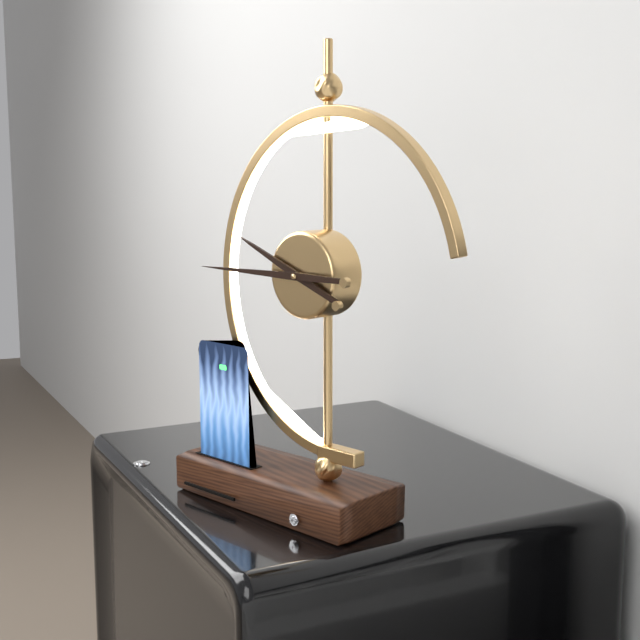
{"hour": 9, "minute": 45}
